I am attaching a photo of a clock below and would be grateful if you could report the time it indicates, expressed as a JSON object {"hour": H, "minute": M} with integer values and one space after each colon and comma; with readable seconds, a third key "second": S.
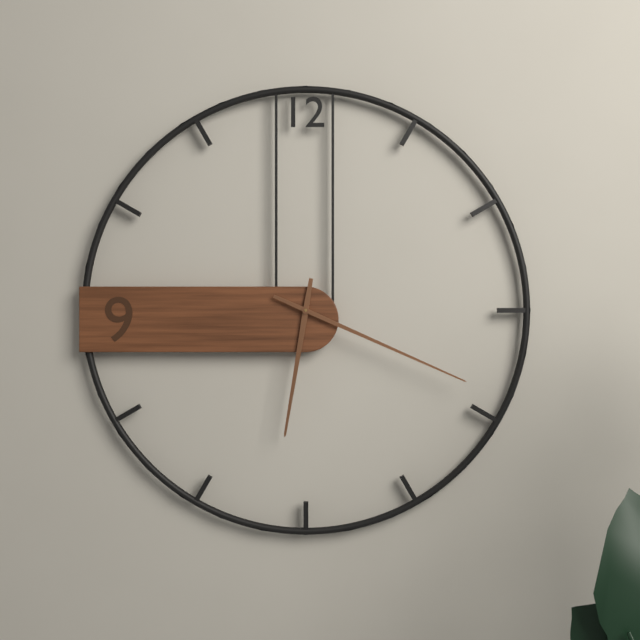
{"hour": 6, "minute": 19}
